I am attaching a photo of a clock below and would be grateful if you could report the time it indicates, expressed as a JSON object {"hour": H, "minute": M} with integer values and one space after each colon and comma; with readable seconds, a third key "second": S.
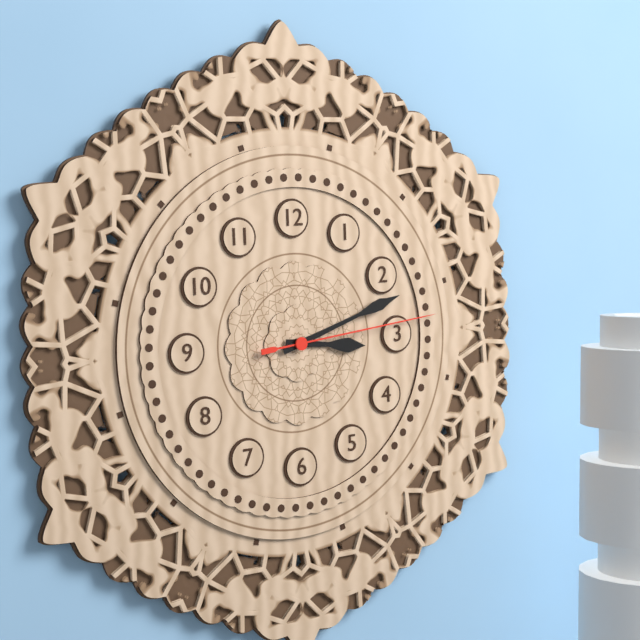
{"hour": 3, "minute": 12, "second": 14}
